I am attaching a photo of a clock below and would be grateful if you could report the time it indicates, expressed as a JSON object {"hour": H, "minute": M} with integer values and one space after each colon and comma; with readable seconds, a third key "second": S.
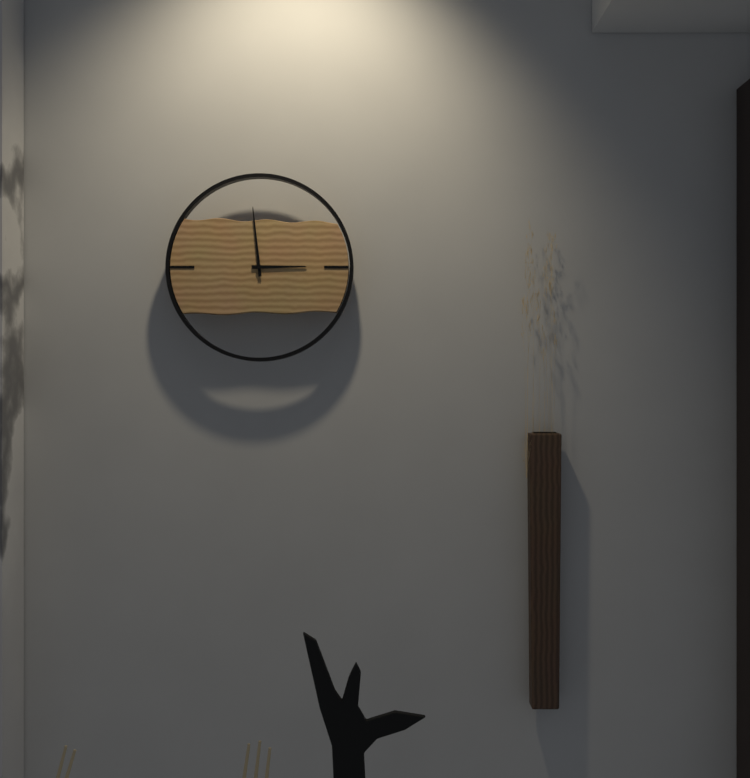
{"hour": 2, "minute": 59}
